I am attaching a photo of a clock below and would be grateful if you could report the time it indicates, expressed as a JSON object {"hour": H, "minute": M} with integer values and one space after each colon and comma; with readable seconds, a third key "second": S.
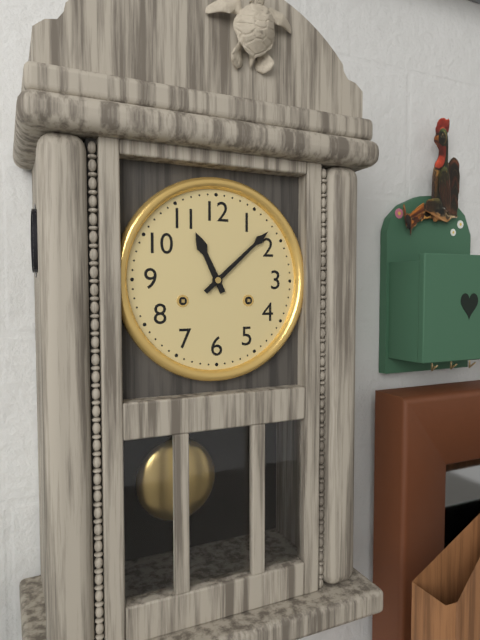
{"hour": 11, "minute": 8}
